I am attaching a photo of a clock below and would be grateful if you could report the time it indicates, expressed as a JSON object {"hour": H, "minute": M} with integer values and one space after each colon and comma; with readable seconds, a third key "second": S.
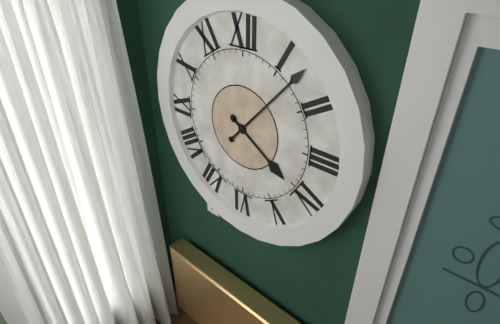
{"hour": 4, "minute": 7}
